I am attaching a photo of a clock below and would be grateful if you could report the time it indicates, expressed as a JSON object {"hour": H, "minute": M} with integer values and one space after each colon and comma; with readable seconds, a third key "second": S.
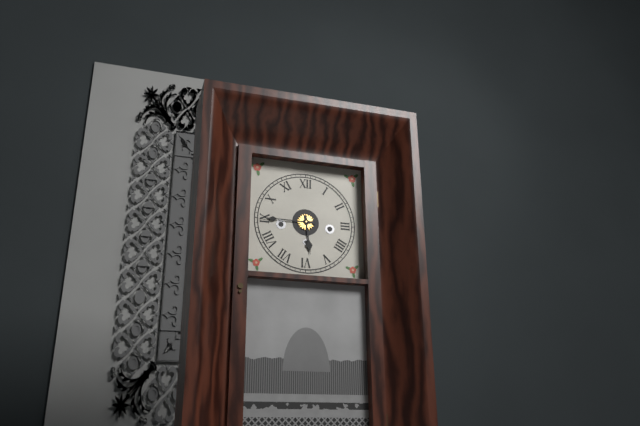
{"hour": 5, "minute": 45}
